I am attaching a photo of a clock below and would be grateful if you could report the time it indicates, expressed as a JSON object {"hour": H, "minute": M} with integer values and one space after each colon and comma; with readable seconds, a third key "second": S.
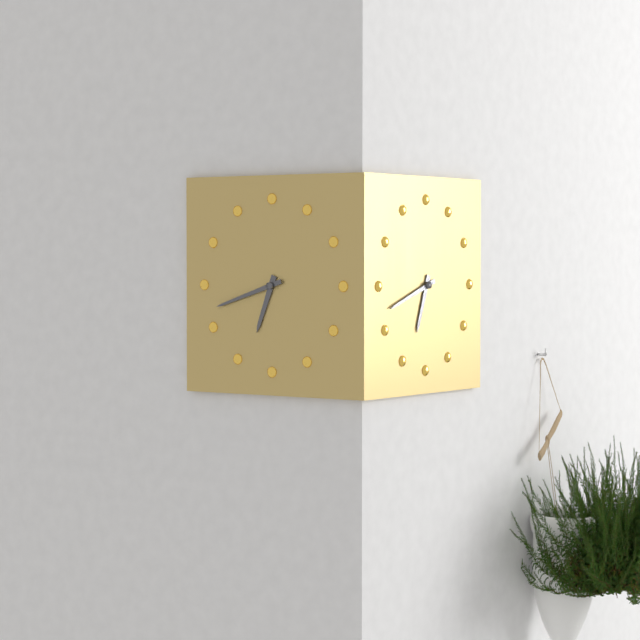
{"hour": 6, "minute": 42}
